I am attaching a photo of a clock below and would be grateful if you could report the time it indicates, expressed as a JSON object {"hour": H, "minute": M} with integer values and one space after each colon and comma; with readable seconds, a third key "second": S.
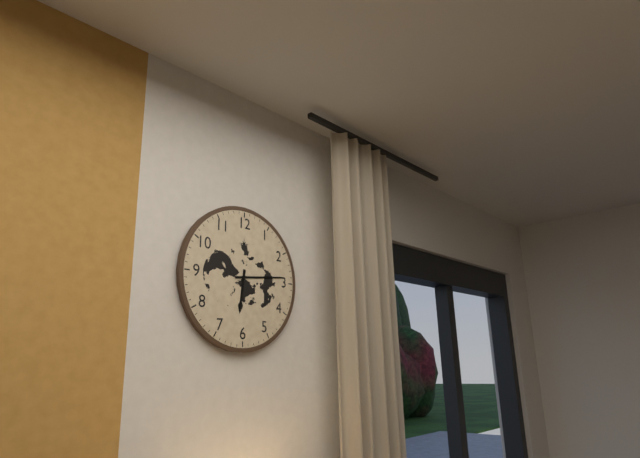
{"hour": 6, "minute": 14}
